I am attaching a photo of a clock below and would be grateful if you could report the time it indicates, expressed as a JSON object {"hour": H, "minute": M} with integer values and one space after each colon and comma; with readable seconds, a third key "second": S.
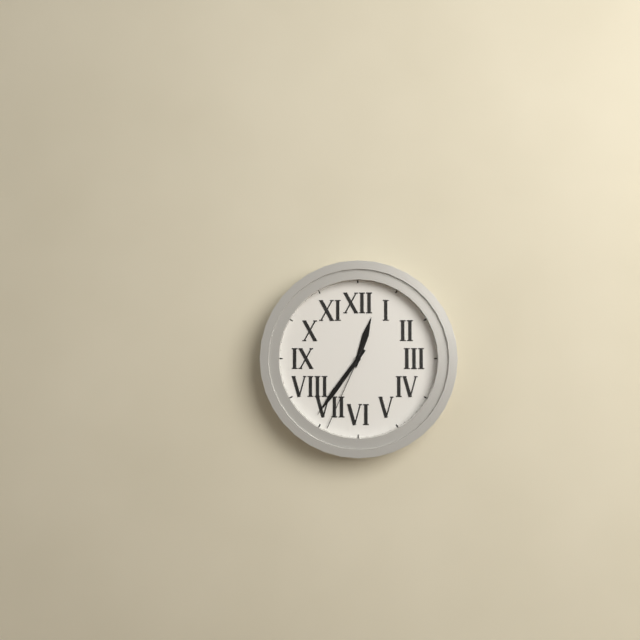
{"hour": 12, "minute": 36, "second": 34}
